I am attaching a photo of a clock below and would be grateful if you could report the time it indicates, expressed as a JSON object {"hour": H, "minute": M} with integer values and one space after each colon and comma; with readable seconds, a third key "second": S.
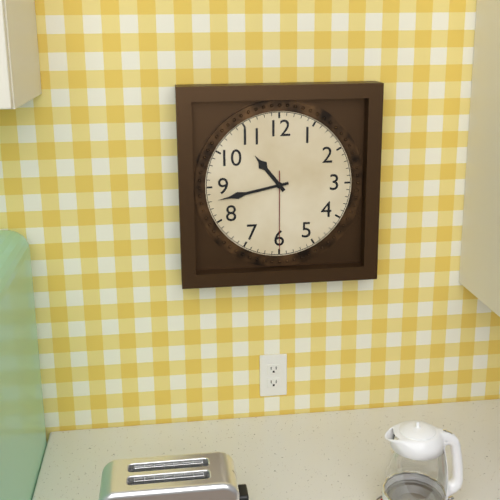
{"hour": 10, "minute": 43, "second": 30}
